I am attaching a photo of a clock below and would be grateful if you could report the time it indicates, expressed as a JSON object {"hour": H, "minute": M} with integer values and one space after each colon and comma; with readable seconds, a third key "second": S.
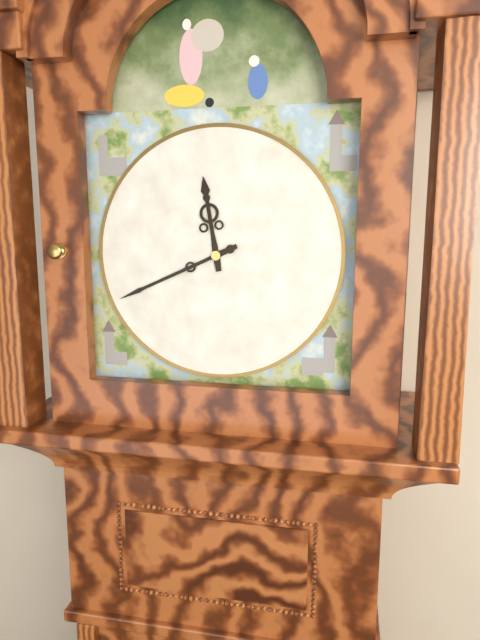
{"hour": 11, "minute": 41}
